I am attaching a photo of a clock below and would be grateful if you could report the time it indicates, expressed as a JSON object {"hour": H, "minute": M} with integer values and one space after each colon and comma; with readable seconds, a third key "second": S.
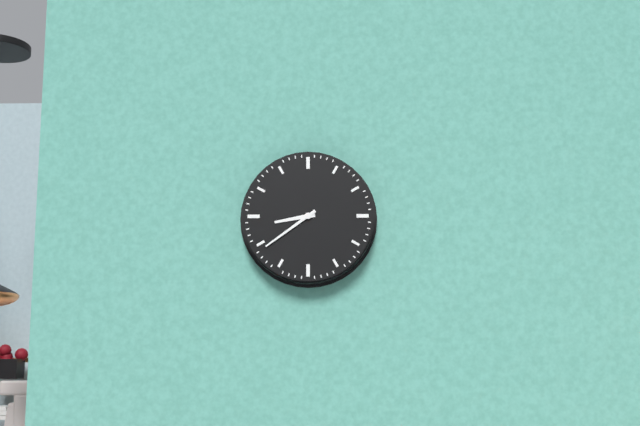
{"hour": 8, "minute": 39}
